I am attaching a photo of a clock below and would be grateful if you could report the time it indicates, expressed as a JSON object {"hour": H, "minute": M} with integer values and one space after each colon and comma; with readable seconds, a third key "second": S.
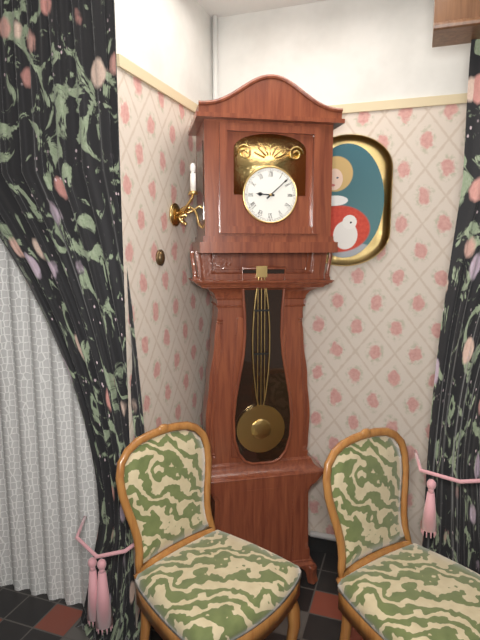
{"hour": 9, "minute": 8}
